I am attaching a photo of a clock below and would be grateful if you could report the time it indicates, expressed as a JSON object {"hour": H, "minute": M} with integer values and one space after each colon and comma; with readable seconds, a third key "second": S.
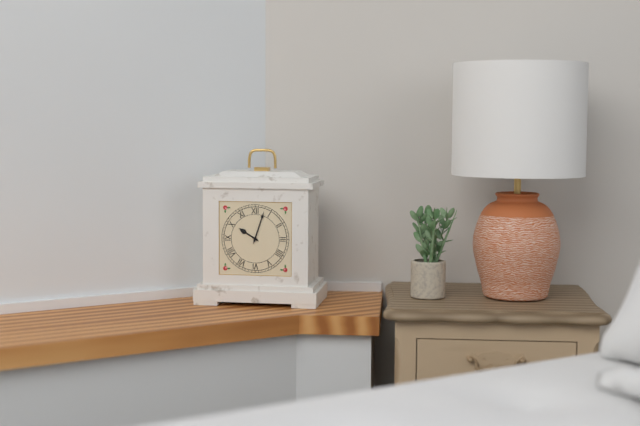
{"hour": 10, "minute": 3}
